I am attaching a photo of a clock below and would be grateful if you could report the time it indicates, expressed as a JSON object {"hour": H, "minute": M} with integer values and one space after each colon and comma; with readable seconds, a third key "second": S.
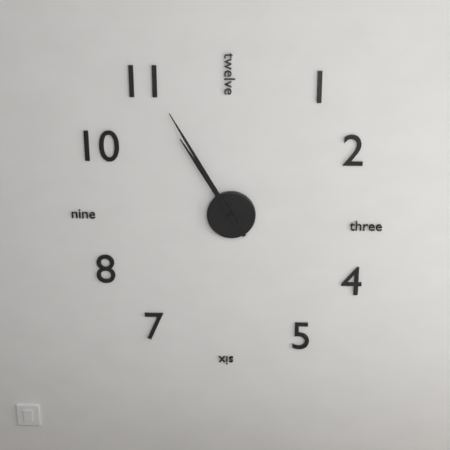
{"hour": 10, "minute": 55}
